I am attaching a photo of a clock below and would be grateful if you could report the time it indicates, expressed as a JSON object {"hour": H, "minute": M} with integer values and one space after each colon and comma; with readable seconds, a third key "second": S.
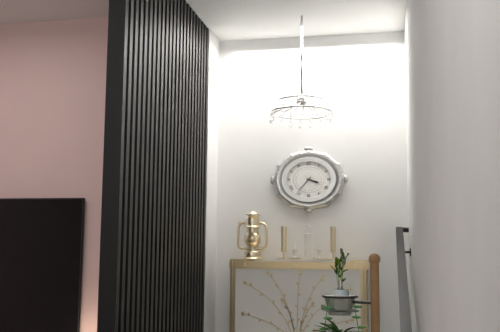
{"hour": 3, "minute": 37}
